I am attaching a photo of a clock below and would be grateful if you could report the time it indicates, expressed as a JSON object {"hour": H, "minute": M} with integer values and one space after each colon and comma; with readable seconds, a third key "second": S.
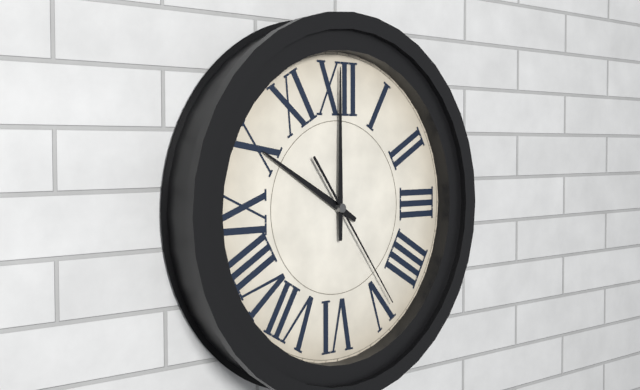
{"hour": 10, "minute": 0, "second": 24}
